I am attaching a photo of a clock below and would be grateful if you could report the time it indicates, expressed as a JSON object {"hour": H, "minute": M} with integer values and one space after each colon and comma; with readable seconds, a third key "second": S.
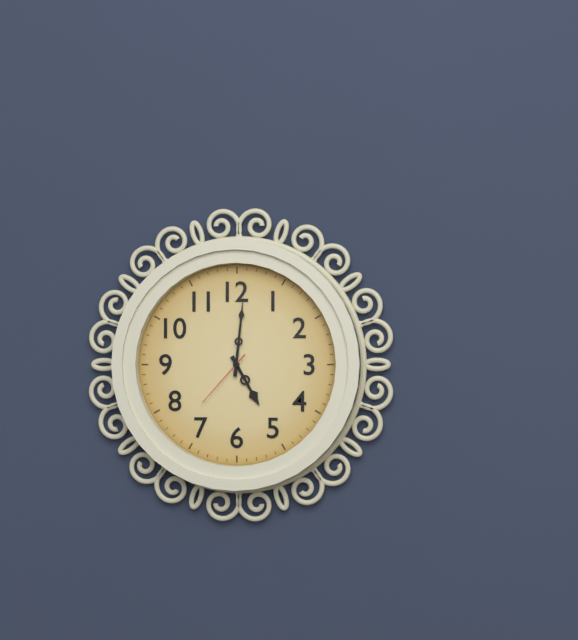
{"hour": 5, "minute": 1, "second": 37}
